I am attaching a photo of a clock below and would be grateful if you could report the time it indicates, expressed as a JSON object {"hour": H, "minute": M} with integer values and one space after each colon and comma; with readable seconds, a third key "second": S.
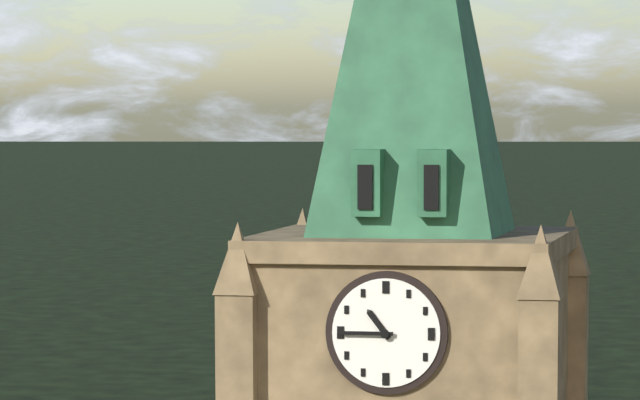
{"hour": 10, "minute": 45}
